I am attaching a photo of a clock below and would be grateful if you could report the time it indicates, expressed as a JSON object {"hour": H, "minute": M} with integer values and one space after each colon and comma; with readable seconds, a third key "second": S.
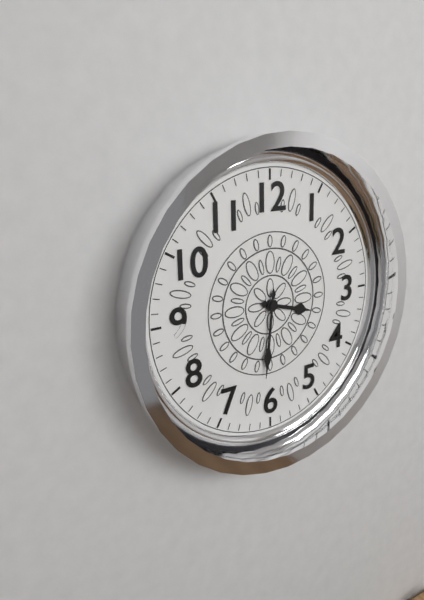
{"hour": 3, "minute": 31}
